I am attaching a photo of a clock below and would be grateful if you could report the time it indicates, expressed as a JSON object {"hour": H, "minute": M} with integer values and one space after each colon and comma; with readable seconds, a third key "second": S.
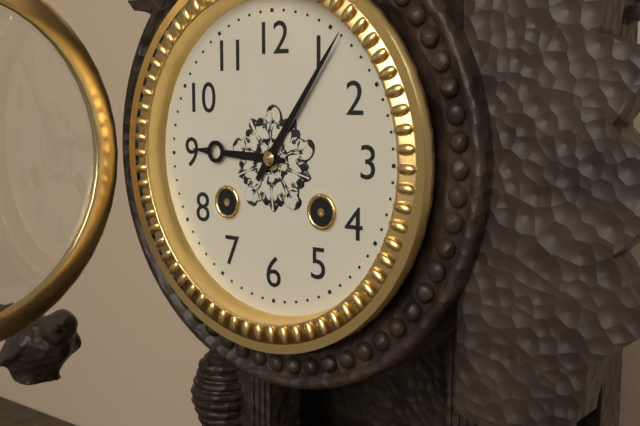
{"hour": 9, "minute": 6}
